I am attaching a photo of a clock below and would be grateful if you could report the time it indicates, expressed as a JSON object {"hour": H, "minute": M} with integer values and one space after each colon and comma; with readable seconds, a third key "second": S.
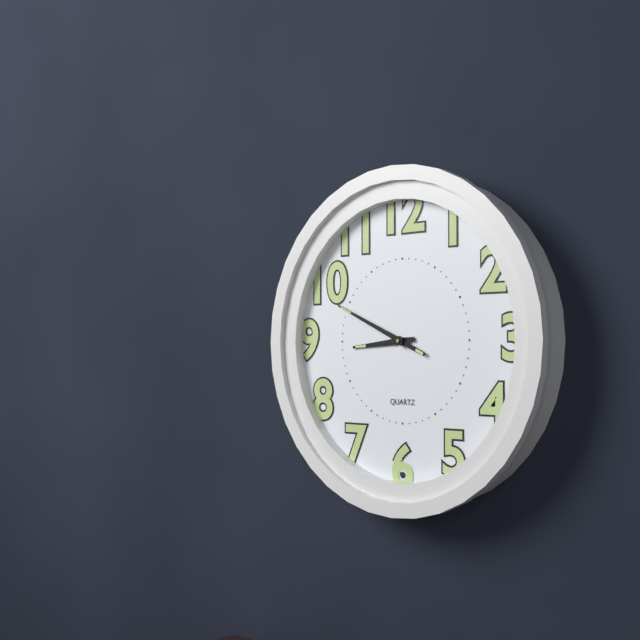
{"hour": 8, "minute": 49}
